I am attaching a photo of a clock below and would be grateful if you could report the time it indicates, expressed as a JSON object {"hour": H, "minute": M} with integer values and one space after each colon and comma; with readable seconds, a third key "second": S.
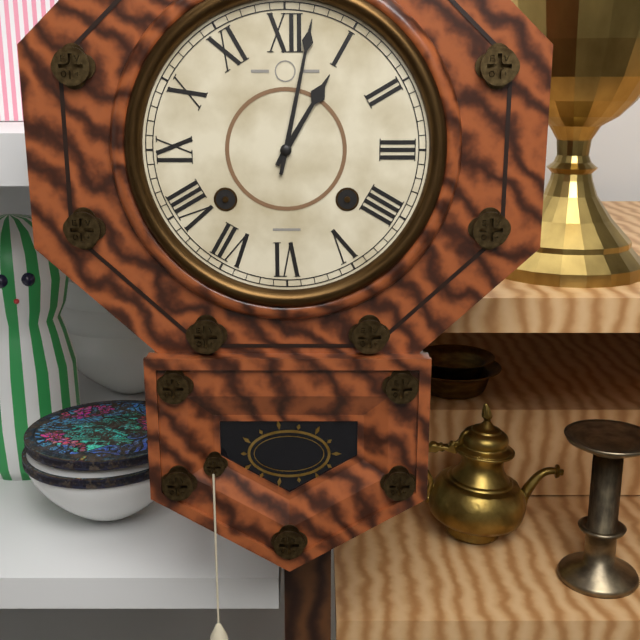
{"hour": 1, "minute": 2}
